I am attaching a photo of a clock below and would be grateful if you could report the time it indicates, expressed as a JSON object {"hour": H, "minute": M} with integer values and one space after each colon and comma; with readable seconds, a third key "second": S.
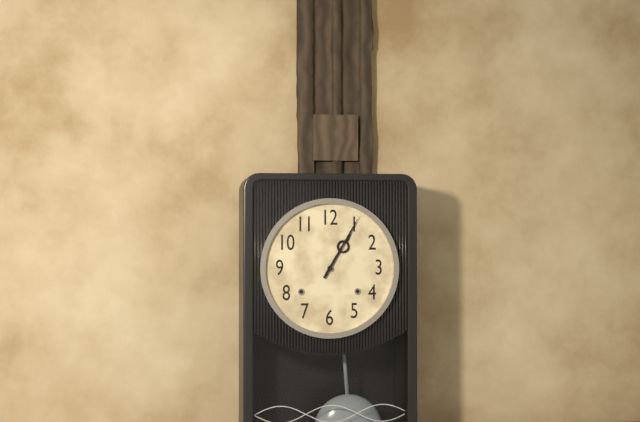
{"hour": 1, "minute": 5}
